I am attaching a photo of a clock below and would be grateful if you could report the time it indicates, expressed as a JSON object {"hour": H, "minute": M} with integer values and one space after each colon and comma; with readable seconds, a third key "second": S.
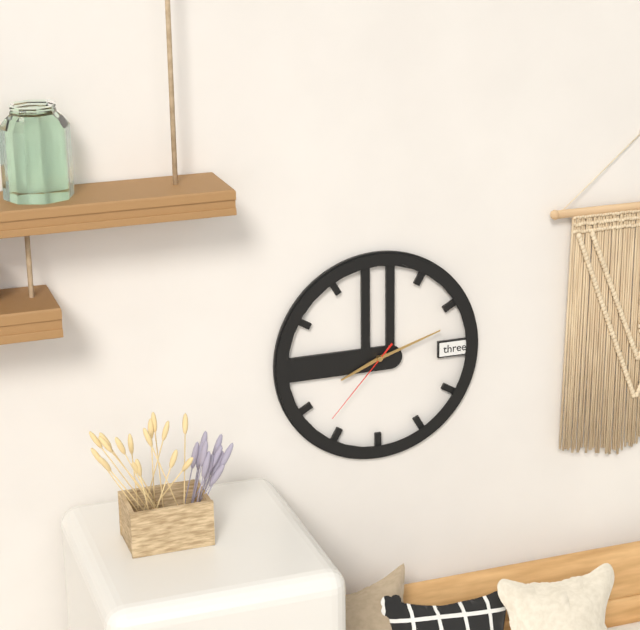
{"hour": 8, "minute": 12, "second": 37}
